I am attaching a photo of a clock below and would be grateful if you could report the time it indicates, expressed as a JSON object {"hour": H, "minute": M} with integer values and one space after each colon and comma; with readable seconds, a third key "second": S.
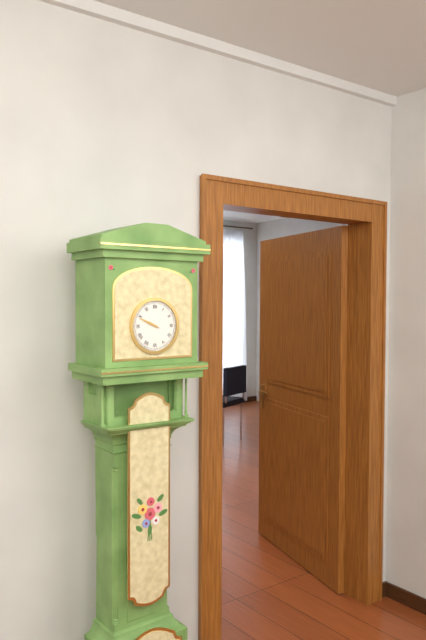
{"hour": 9, "minute": 49}
